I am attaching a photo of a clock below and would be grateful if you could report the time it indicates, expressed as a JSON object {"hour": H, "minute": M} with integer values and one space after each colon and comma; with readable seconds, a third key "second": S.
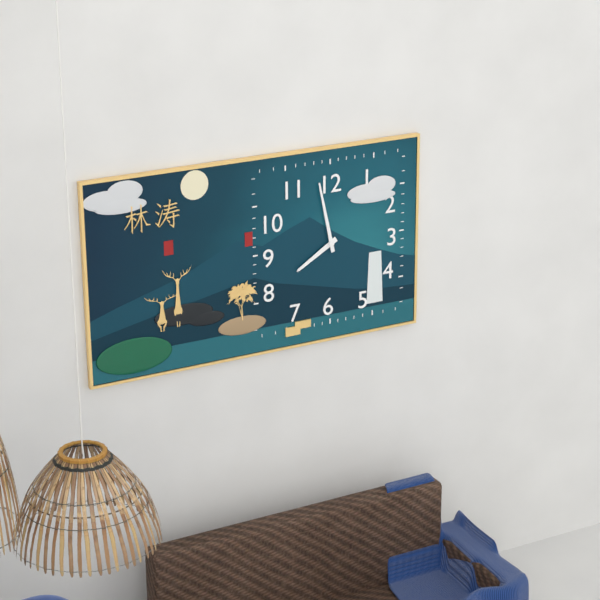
{"hour": 7, "minute": 58}
